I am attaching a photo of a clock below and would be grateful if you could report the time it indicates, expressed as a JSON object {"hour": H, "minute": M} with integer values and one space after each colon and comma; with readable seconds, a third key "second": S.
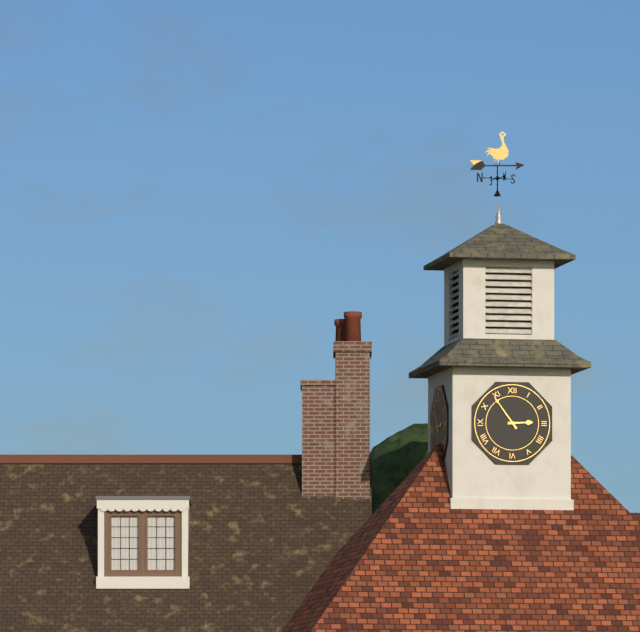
{"hour": 2, "minute": 54}
